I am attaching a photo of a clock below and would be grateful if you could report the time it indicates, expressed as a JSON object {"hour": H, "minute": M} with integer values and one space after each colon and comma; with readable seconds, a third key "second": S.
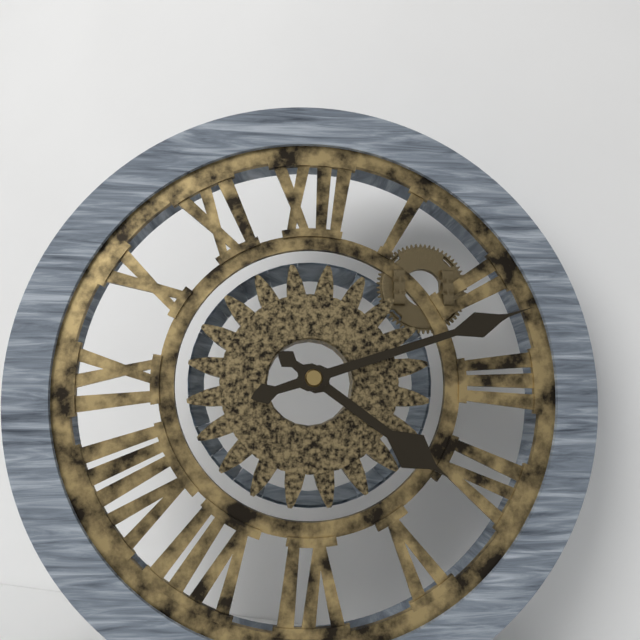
{"hour": 4, "minute": 12}
